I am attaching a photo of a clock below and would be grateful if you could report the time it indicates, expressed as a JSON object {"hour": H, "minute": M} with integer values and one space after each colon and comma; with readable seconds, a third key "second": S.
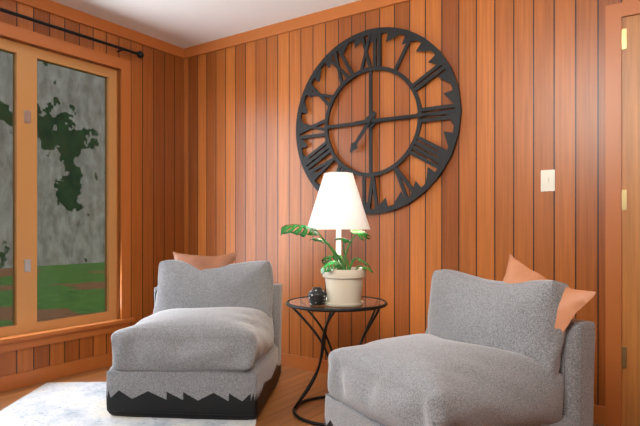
{"hour": 7, "minute": 15}
